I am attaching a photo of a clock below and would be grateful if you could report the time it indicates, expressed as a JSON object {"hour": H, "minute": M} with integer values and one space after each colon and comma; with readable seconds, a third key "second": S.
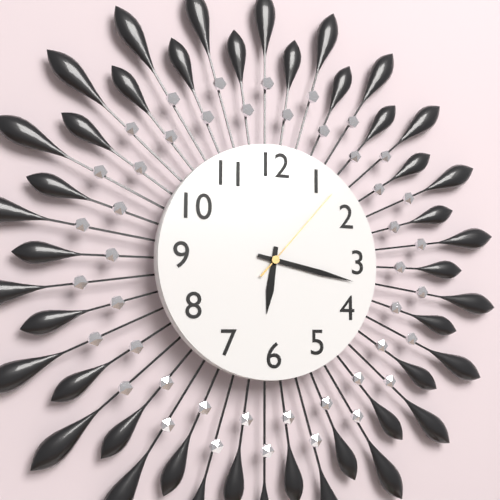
{"hour": 6, "minute": 17, "second": 7}
